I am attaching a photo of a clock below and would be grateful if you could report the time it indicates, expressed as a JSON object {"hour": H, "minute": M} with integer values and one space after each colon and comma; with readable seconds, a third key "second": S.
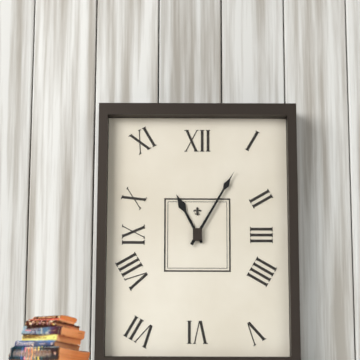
{"hour": 11, "minute": 5}
